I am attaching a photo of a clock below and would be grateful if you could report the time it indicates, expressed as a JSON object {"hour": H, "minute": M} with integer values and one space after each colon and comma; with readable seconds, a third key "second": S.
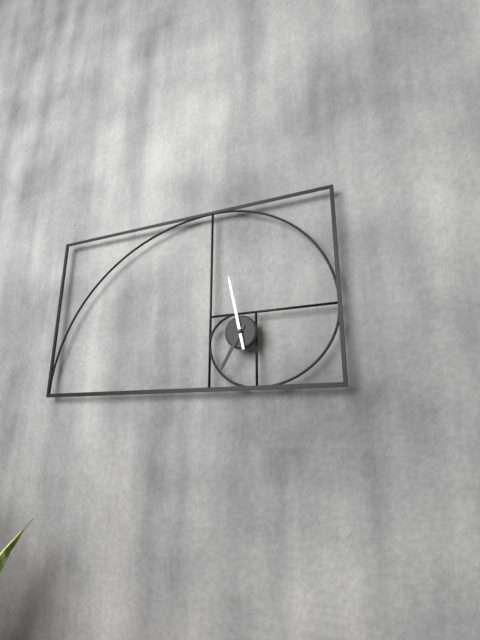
{"hour": 6, "minute": 58}
